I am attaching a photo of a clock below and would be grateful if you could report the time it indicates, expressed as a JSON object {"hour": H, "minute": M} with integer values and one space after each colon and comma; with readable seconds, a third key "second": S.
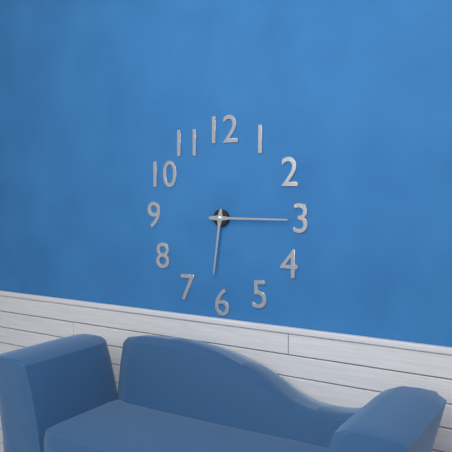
{"hour": 6, "minute": 15}
